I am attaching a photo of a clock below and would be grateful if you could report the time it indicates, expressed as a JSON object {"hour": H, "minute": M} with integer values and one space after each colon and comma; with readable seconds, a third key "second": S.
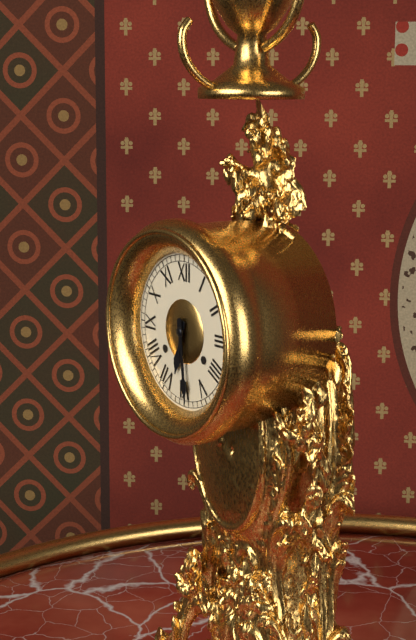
{"hour": 6, "minute": 29}
